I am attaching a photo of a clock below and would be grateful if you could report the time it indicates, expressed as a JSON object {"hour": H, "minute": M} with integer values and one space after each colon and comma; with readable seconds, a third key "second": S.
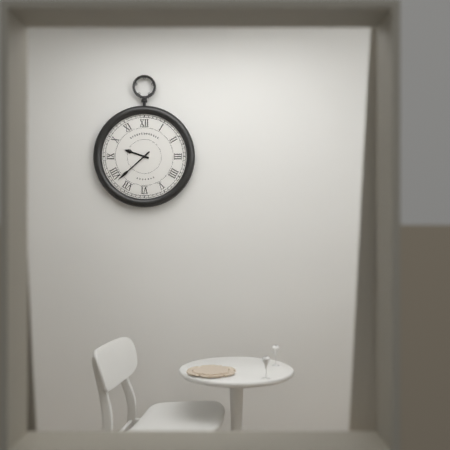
{"hour": 9, "minute": 38}
